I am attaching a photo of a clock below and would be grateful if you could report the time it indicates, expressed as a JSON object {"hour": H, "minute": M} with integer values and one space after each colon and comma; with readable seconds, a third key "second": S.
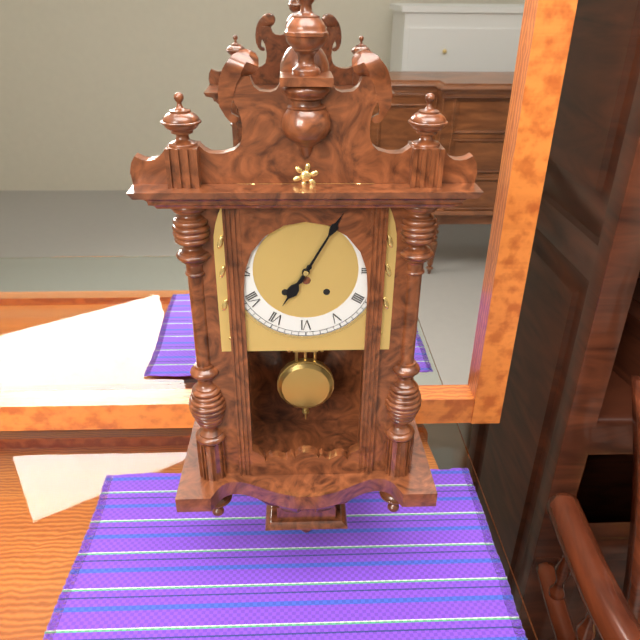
{"hour": 7, "minute": 5}
